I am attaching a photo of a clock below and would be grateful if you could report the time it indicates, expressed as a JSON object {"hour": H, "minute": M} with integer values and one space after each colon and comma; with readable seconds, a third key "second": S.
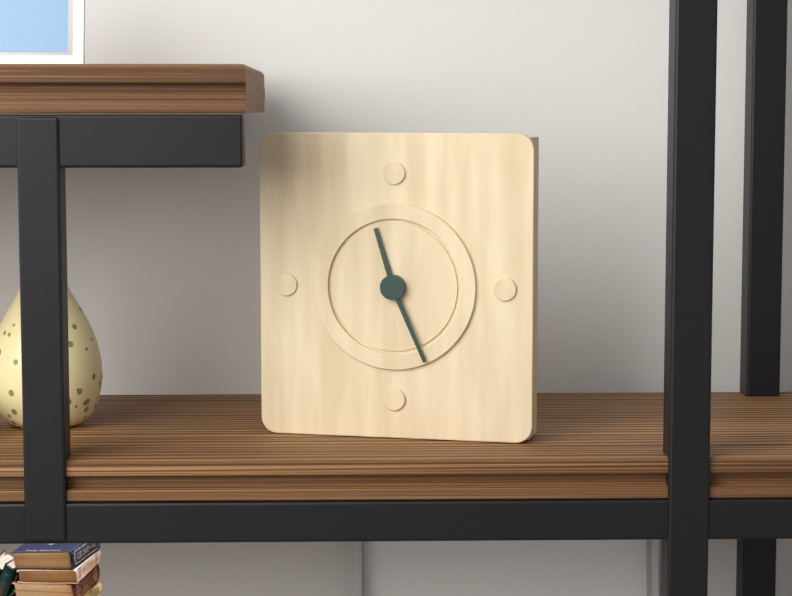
{"hour": 11, "minute": 26}
